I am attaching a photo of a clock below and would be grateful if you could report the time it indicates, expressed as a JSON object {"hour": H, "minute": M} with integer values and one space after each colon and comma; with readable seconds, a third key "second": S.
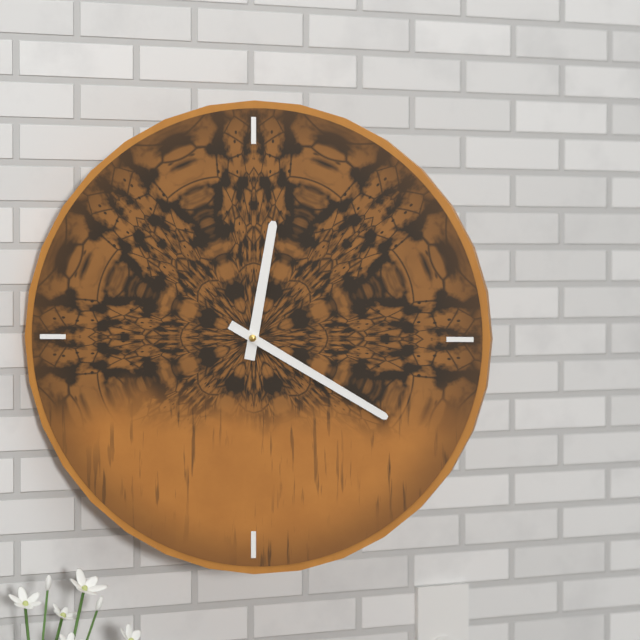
{"hour": 12, "minute": 20}
